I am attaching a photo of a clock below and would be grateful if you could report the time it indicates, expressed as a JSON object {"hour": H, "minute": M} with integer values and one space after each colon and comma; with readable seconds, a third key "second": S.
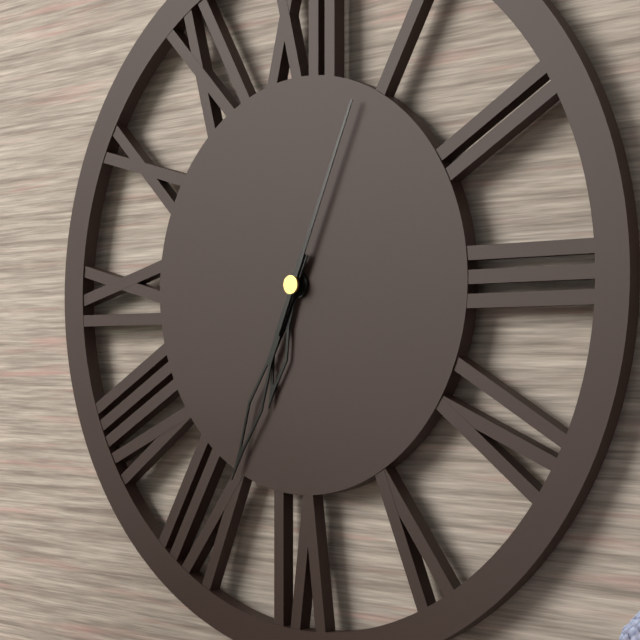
{"hour": 6, "minute": 34, "second": 4}
